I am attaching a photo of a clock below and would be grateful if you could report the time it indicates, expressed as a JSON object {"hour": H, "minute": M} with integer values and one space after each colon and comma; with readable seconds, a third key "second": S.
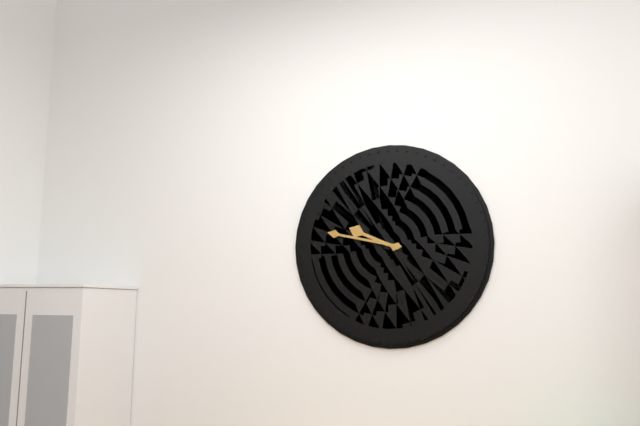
{"hour": 9, "minute": 47}
